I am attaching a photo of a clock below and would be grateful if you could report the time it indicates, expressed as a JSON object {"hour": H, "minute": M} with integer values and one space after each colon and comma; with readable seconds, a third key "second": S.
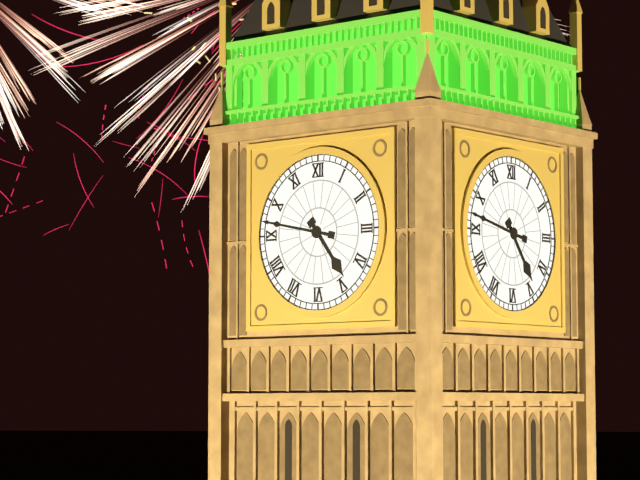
{"hour": 4, "minute": 47}
